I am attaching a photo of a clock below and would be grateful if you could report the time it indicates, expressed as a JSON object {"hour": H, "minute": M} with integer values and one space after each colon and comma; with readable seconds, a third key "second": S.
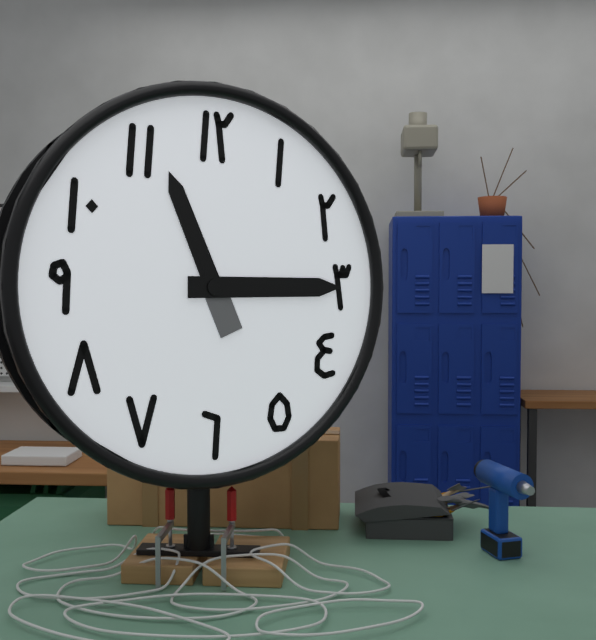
{"hour": 11, "minute": 15}
